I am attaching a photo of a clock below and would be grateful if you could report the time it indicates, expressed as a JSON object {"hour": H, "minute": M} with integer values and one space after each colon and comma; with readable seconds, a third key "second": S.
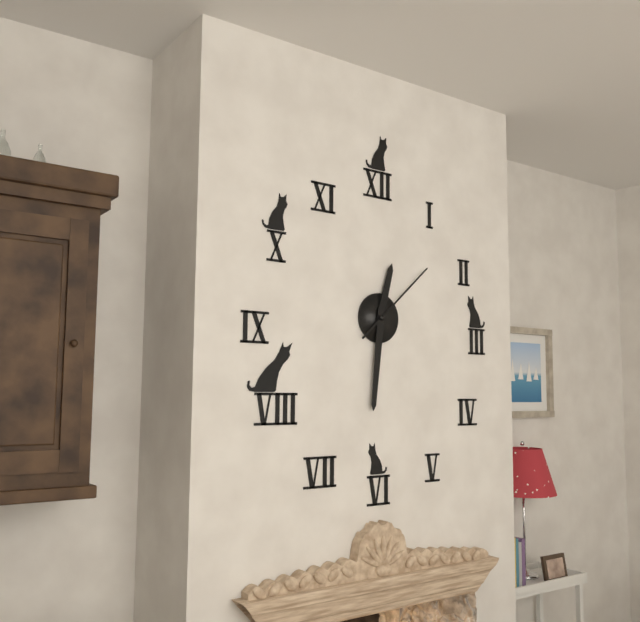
{"hour": 12, "minute": 31, "second": 8}
